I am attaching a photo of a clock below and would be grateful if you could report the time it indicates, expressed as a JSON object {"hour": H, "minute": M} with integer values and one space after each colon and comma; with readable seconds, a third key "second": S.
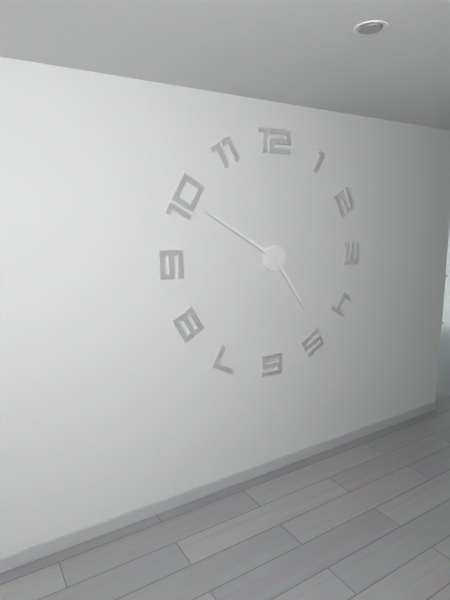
{"hour": 4, "minute": 50}
